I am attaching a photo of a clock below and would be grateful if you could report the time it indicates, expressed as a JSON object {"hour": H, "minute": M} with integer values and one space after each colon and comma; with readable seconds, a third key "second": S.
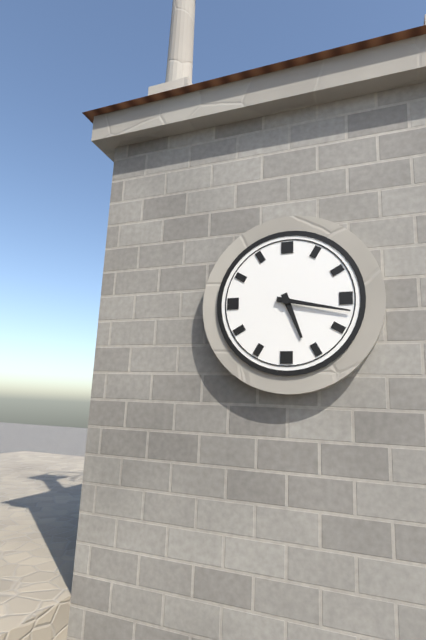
{"hour": 5, "minute": 17}
